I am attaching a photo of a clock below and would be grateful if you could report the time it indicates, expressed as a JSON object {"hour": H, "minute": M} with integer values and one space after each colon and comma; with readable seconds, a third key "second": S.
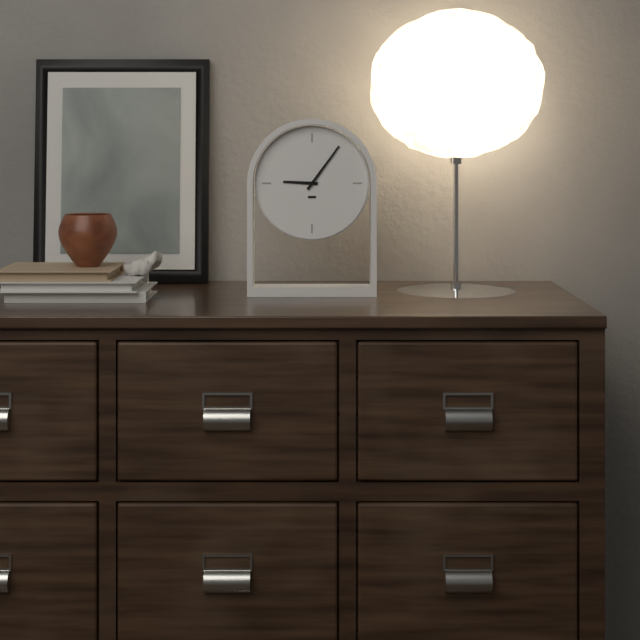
{"hour": 9, "minute": 6}
